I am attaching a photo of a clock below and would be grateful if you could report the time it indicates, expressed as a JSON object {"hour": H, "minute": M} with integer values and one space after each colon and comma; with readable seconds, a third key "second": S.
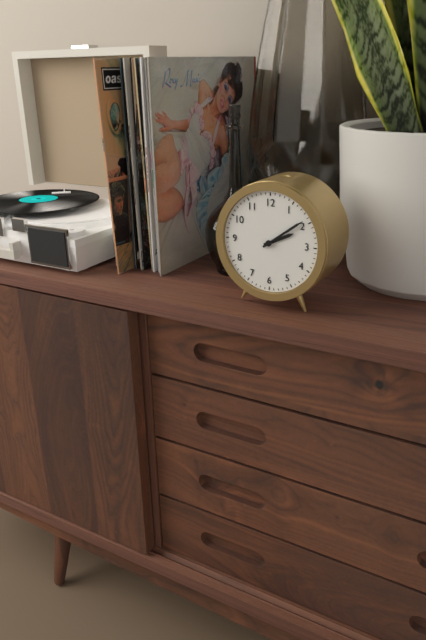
{"hour": 2, "minute": 9}
